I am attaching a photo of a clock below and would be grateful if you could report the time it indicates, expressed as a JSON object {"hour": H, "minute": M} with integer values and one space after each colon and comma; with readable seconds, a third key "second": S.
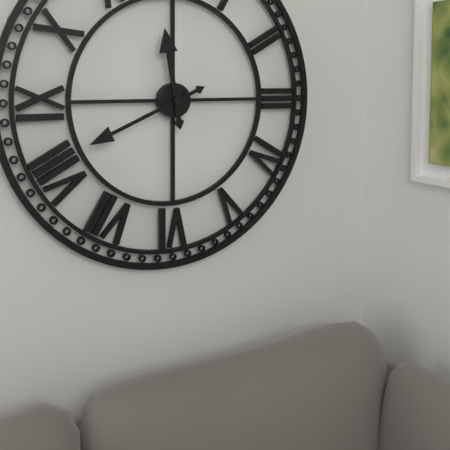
{"hour": 11, "minute": 41}
